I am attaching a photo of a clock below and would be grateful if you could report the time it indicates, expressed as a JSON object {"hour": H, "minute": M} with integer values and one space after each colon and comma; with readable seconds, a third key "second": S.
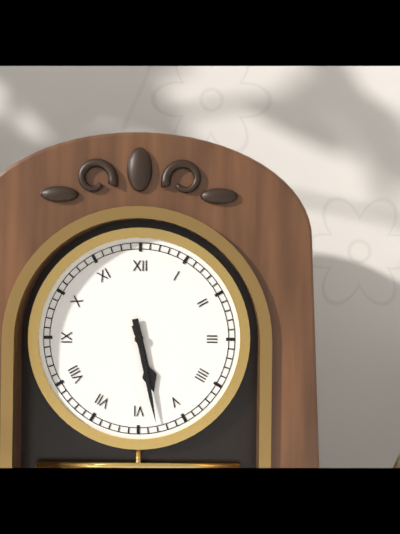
{"hour": 5, "minute": 28}
